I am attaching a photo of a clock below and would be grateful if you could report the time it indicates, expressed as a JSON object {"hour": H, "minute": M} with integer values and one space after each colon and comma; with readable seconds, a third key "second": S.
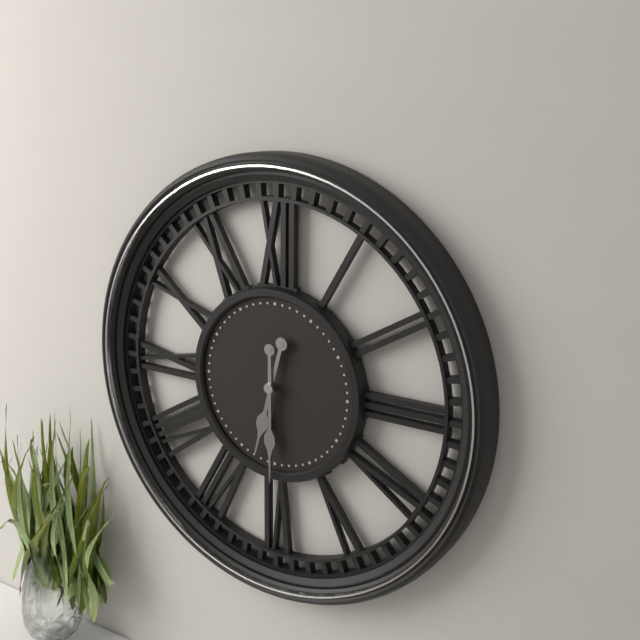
{"hour": 6, "minute": 30}
